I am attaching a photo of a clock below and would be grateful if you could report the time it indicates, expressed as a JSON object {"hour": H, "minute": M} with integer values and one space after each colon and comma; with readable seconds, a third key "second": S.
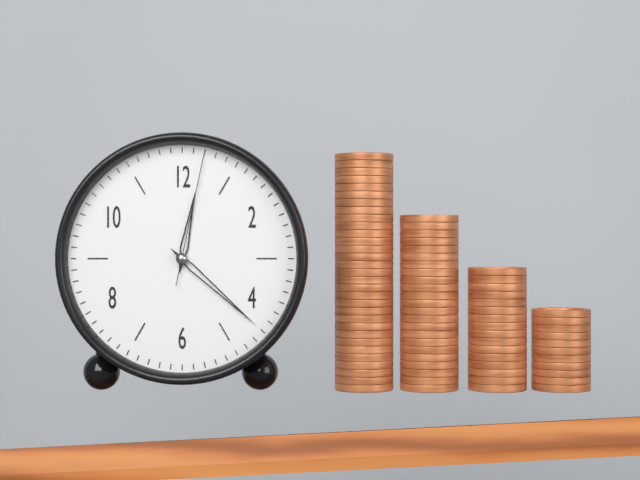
{"hour": 12, "minute": 22, "second": 2}
